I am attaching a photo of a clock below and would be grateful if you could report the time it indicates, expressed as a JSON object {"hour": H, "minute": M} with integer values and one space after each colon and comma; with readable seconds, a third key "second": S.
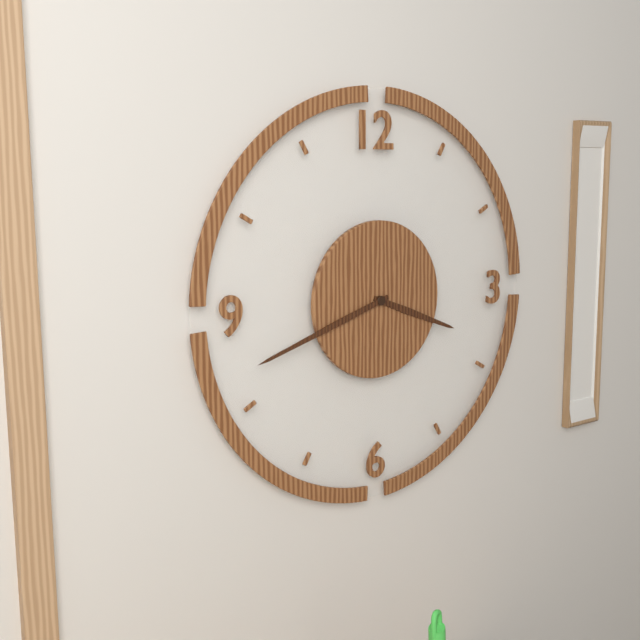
{"hour": 3, "minute": 42}
